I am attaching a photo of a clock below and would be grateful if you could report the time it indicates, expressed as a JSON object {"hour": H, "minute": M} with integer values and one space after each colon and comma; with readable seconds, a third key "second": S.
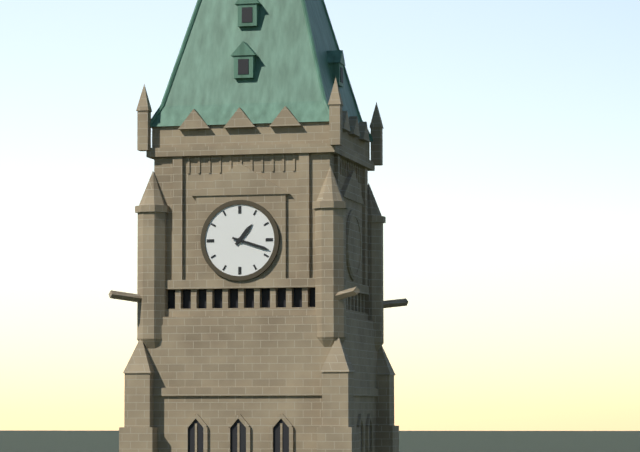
{"hour": 1, "minute": 18}
